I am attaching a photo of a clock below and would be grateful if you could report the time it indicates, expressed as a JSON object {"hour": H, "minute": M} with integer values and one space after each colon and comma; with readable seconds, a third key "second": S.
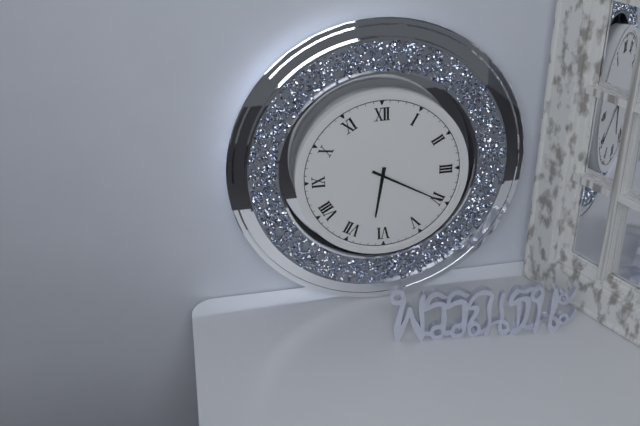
{"hour": 6, "minute": 20}
